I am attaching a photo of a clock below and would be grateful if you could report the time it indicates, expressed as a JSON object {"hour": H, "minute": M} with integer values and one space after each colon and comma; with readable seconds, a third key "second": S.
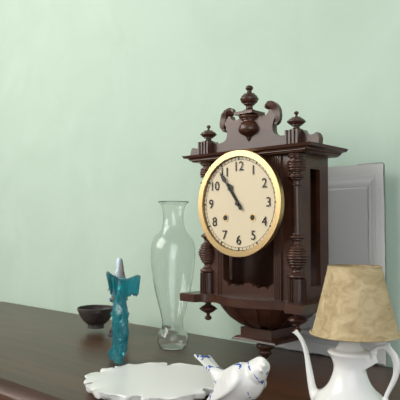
{"hour": 10, "minute": 54}
